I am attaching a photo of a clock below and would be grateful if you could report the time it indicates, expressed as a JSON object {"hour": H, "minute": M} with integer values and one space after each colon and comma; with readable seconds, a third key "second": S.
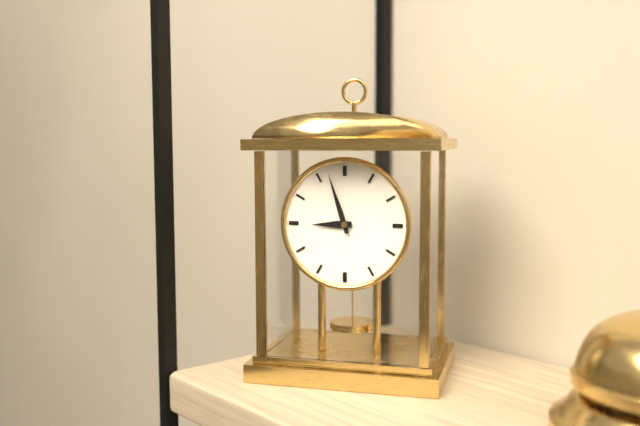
{"hour": 8, "minute": 57}
